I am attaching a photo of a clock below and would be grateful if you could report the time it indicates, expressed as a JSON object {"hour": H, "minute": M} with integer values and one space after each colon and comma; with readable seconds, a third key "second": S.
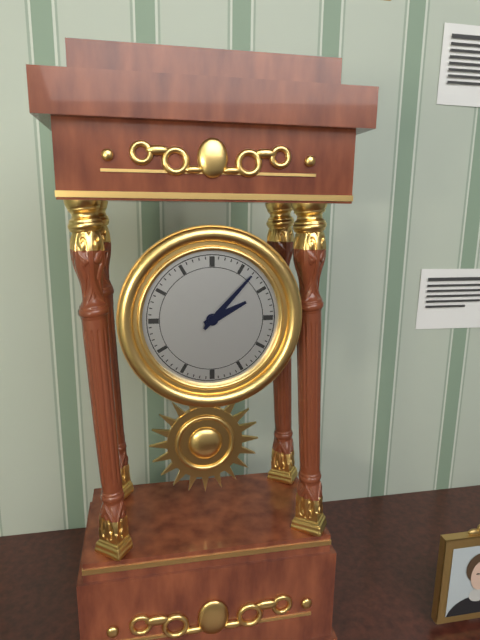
{"hour": 2, "minute": 7}
